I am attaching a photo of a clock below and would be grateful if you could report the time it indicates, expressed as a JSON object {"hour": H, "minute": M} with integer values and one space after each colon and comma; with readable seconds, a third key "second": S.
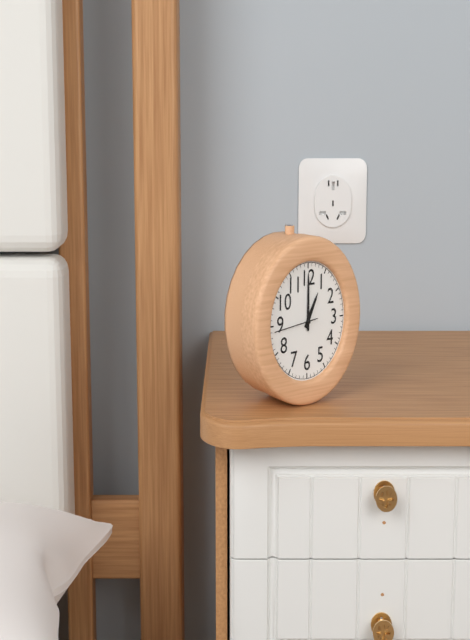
{"hour": 1, "minute": 0}
